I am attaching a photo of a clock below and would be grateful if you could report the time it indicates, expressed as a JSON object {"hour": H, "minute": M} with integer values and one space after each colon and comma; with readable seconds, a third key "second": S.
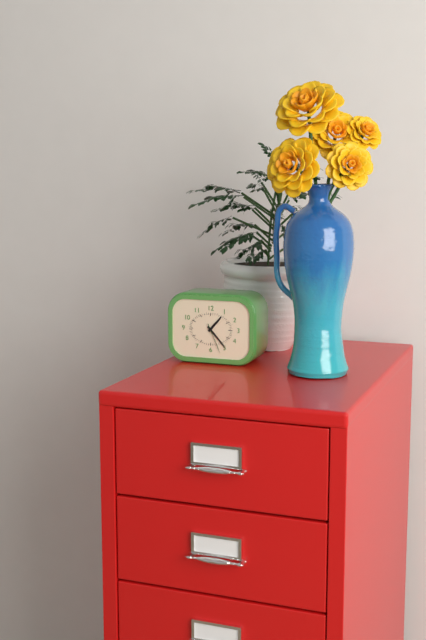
{"hour": 1, "minute": 23}
